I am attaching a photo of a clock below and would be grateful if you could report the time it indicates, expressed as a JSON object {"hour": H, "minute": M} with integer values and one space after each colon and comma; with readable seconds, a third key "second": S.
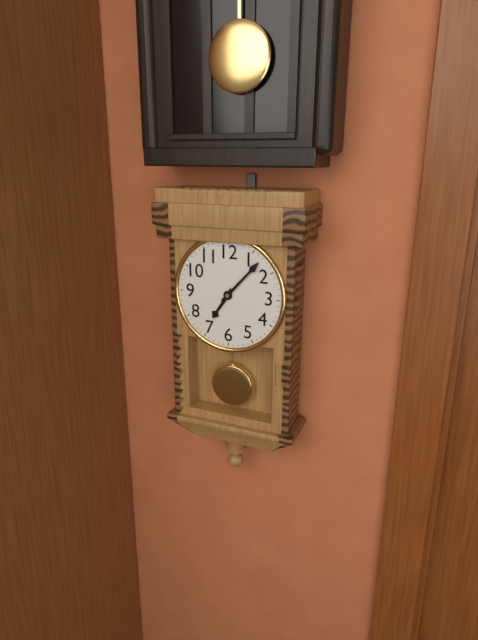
{"hour": 7, "minute": 7}
